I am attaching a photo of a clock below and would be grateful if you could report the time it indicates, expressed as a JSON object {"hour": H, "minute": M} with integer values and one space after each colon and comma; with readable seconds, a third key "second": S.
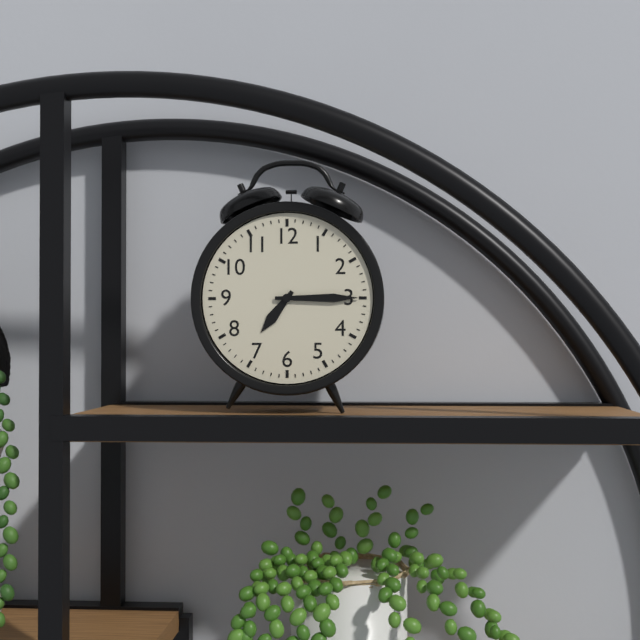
{"hour": 7, "minute": 15}
